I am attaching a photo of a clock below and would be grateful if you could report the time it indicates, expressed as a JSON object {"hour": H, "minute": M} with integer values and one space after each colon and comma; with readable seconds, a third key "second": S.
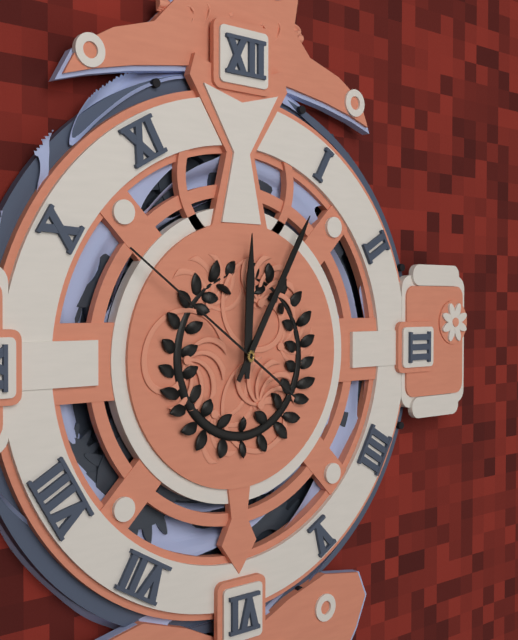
{"hour": 12, "minute": 5, "second": 51}
